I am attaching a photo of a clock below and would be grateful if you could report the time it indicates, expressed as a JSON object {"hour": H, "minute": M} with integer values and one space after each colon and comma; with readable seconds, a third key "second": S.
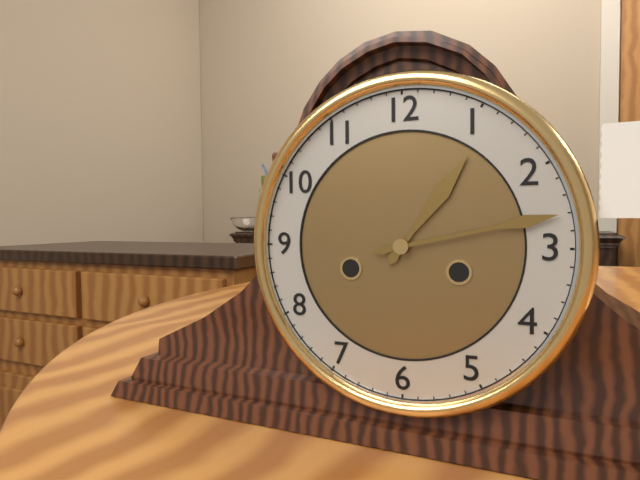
{"hour": 1, "minute": 13}
